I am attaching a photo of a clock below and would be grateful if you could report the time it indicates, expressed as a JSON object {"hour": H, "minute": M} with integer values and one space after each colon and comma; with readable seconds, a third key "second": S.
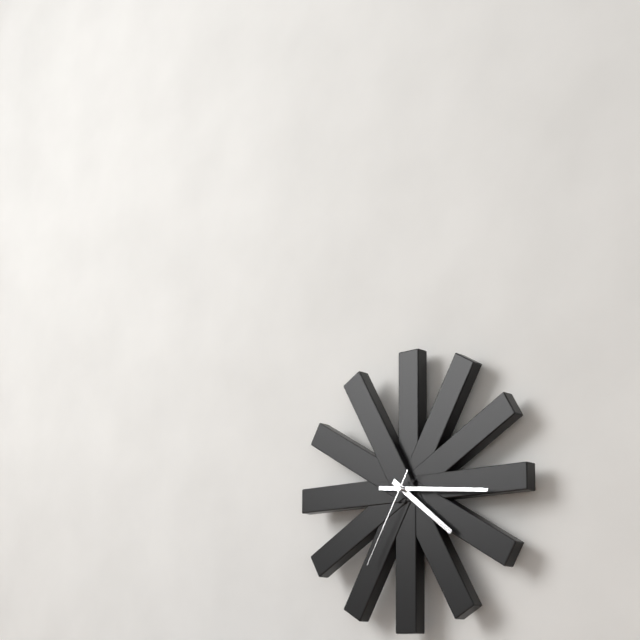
{"hour": 4, "minute": 16, "second": 35}
